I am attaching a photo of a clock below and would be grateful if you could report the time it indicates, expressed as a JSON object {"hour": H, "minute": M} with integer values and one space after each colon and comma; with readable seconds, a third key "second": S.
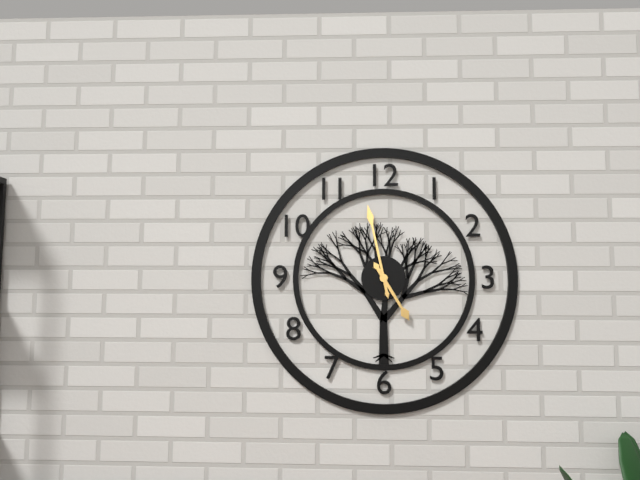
{"hour": 4, "minute": 58}
